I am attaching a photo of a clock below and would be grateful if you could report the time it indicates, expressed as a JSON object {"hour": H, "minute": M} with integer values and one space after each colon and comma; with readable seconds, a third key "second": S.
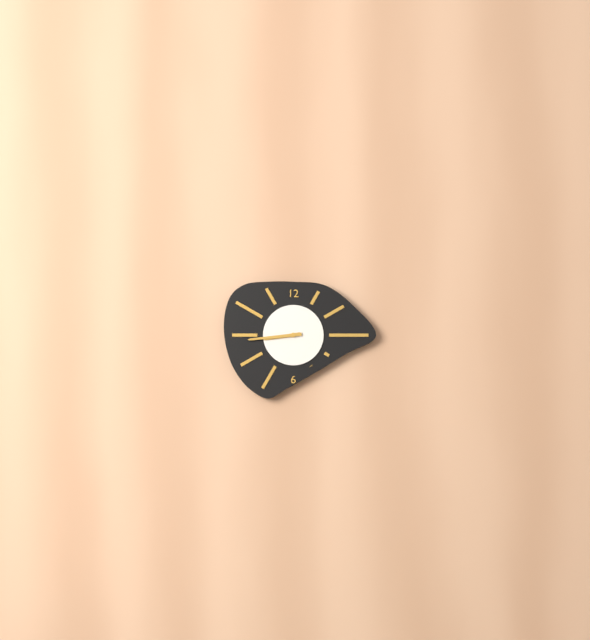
{"hour": 8, "minute": 44}
